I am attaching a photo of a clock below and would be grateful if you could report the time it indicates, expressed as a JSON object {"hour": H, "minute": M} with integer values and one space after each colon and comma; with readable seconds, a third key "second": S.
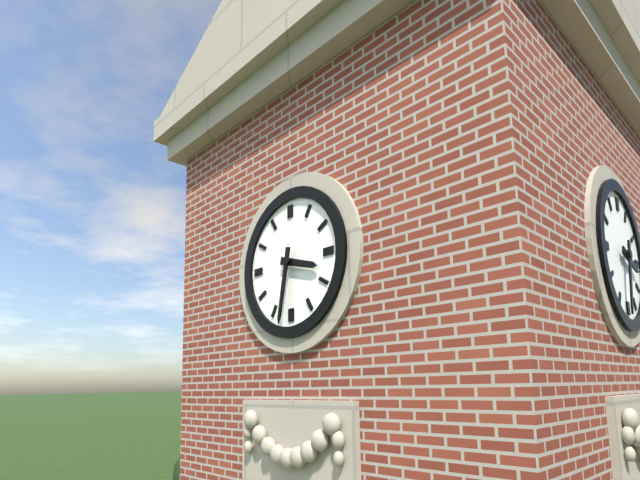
{"hour": 3, "minute": 32}
